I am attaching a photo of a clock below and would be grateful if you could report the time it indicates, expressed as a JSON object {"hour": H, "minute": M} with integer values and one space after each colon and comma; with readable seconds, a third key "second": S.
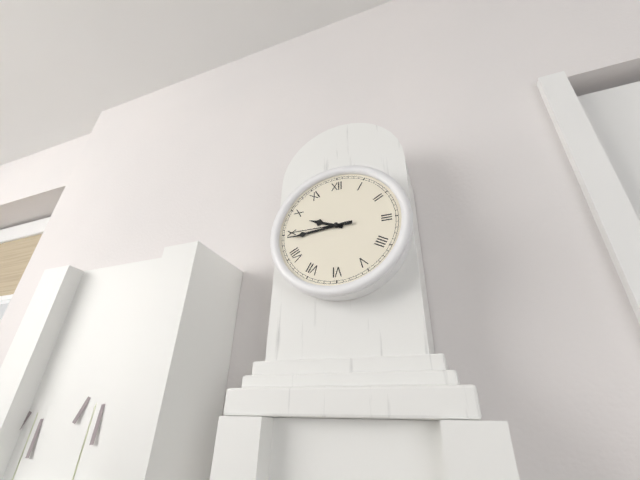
{"hour": 9, "minute": 44, "second": 45}
